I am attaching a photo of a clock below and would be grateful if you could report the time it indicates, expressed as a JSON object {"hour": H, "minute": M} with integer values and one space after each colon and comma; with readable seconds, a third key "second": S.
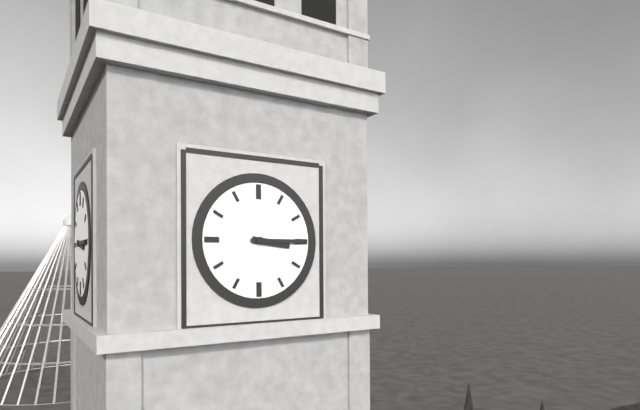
{"hour": 3, "minute": 15}
